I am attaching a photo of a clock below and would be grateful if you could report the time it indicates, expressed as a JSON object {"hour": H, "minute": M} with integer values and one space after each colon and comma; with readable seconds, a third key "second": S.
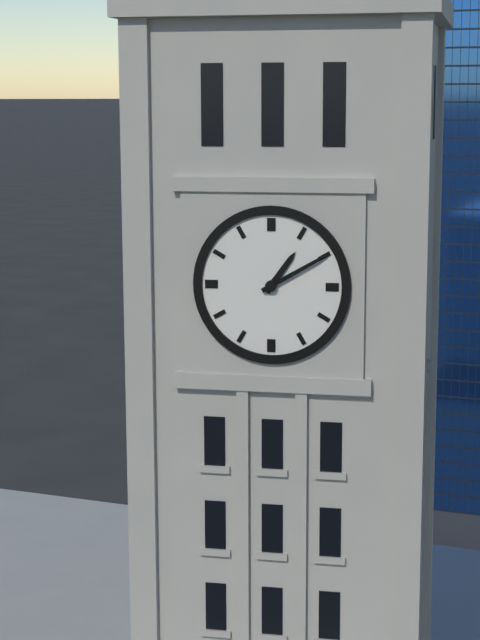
{"hour": 1, "minute": 10}
